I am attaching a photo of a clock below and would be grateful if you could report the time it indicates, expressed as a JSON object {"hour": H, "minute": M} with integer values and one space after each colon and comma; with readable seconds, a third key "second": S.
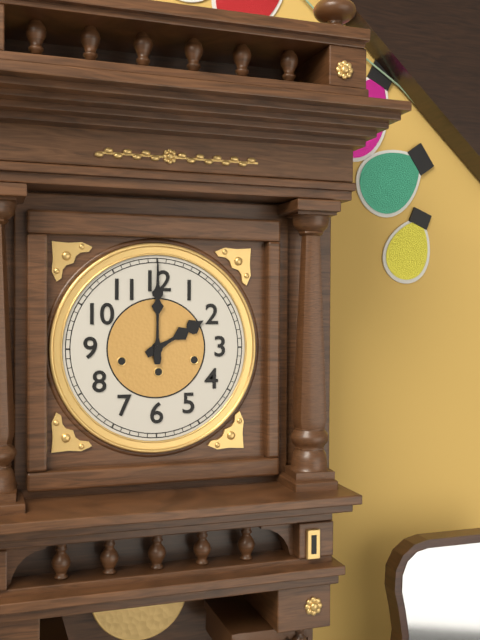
{"hour": 2, "minute": 0}
